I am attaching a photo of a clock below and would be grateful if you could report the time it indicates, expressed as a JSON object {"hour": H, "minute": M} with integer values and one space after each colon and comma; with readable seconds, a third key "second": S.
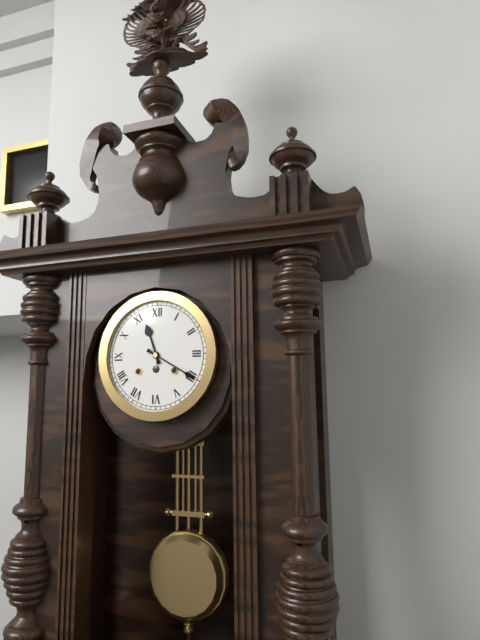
{"hour": 11, "minute": 20}
